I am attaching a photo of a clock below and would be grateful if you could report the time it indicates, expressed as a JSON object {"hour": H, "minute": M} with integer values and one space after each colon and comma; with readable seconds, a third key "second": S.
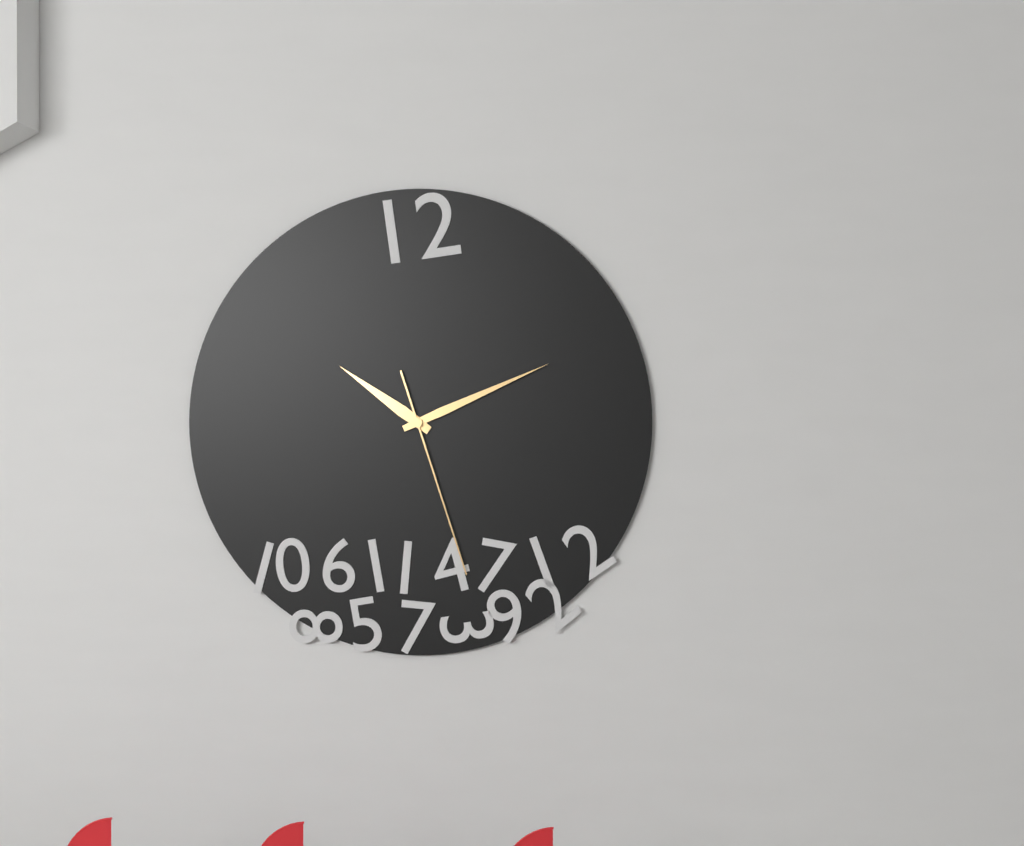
{"hour": 10, "minute": 11, "second": 27}
